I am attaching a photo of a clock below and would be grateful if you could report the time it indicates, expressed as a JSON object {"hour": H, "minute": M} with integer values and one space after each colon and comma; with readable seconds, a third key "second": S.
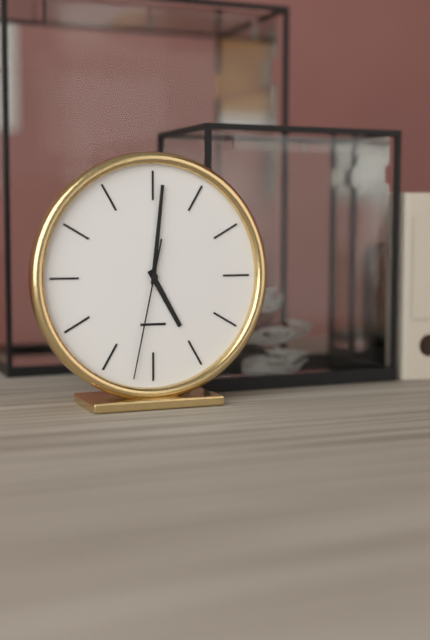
{"hour": 5, "minute": 1, "second": 32}
